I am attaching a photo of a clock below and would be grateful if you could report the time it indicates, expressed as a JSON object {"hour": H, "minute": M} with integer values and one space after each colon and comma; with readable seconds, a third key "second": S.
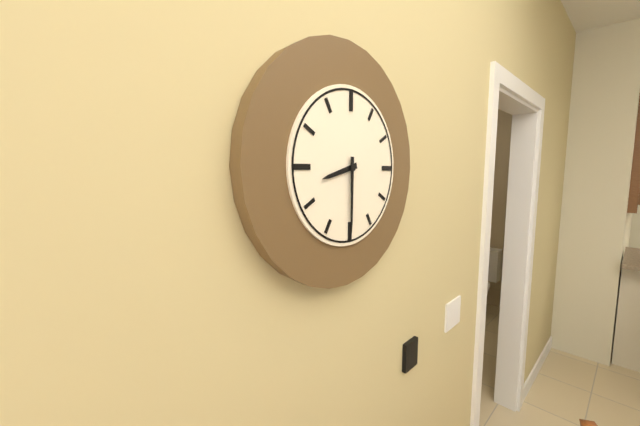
{"hour": 8, "minute": 30}
